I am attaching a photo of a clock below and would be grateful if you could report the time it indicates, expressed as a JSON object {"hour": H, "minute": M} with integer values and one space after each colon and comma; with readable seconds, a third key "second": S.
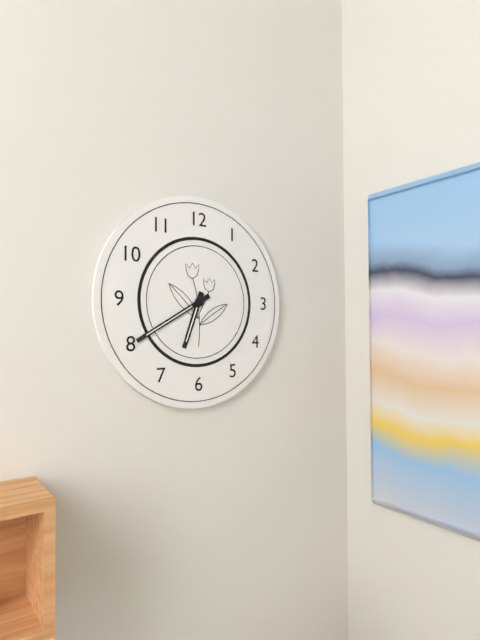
{"hour": 6, "minute": 40}
